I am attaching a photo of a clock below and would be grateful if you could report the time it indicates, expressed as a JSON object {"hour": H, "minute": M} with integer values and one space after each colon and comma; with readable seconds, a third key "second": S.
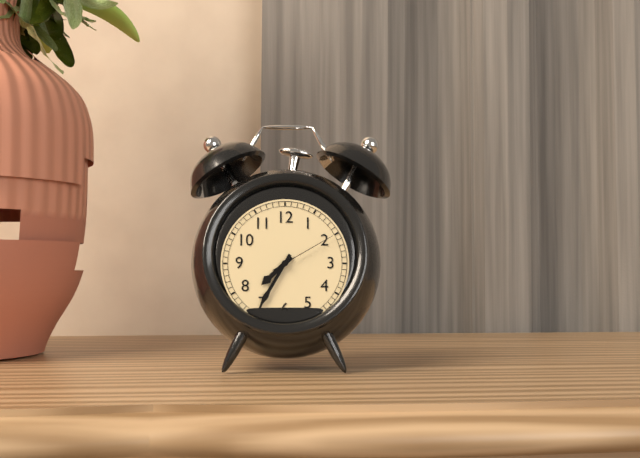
{"hour": 7, "minute": 35, "second": 10}
